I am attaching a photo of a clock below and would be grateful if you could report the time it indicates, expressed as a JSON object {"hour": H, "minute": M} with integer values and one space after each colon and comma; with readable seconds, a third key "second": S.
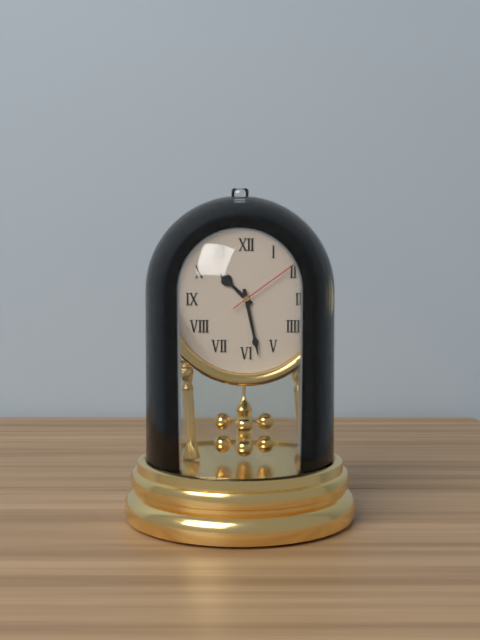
{"hour": 10, "minute": 28, "second": 9}
